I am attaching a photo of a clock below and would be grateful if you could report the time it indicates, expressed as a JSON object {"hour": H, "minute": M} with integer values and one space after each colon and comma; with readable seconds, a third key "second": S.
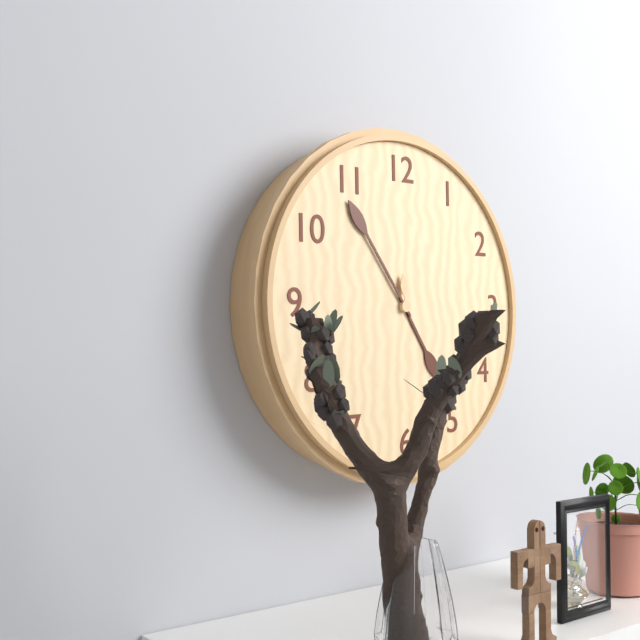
{"hour": 4, "minute": 54, "second": 59}
